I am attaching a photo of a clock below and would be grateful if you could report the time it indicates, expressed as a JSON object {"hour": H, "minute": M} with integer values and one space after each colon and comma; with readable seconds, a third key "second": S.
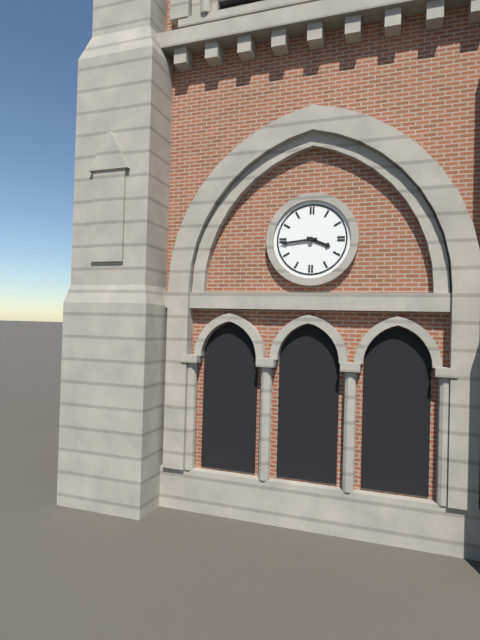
{"hour": 3, "minute": 44}
